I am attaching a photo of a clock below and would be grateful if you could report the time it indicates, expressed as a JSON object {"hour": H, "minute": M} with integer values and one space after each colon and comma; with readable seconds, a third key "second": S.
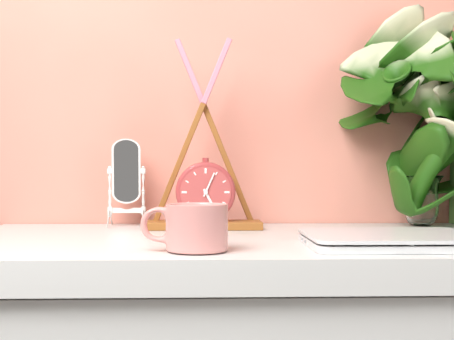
{"hour": 5, "minute": 4}
